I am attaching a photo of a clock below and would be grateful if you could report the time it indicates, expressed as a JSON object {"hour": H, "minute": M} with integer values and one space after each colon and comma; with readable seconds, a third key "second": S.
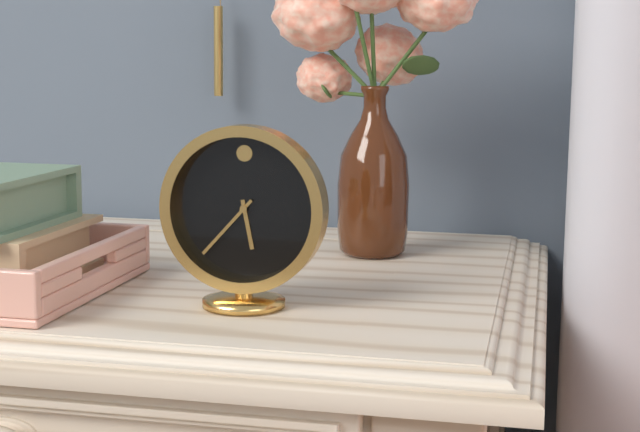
{"hour": 5, "minute": 37}
